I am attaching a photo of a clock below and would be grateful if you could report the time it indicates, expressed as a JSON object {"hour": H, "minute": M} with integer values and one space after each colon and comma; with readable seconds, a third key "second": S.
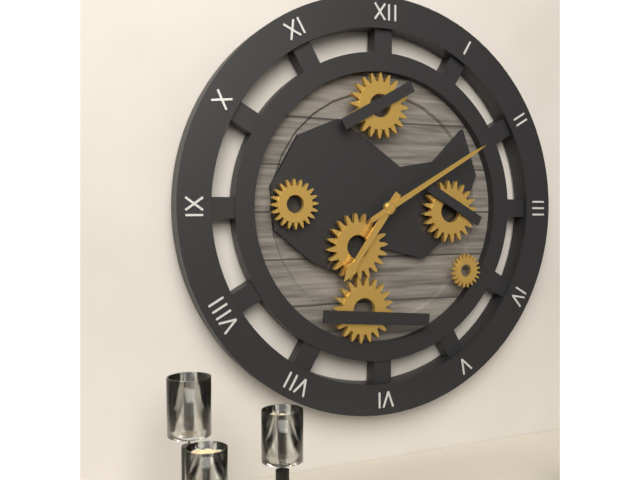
{"hour": 7, "minute": 10}
